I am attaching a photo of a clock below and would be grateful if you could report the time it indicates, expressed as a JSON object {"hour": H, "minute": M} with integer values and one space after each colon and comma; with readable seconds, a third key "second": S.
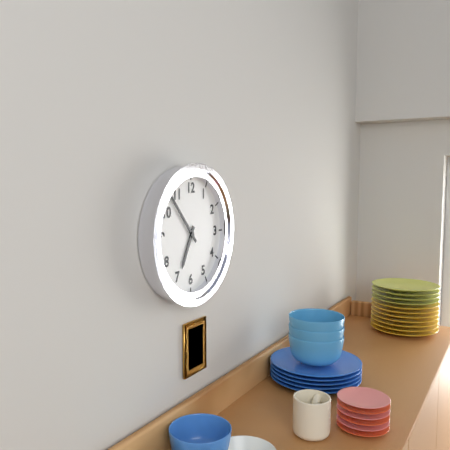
{"hour": 6, "minute": 53}
